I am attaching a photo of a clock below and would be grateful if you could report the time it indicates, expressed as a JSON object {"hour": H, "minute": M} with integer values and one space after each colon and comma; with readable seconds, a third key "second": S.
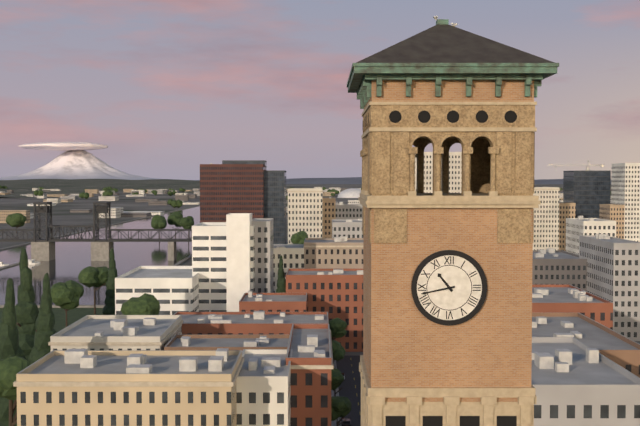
{"hour": 10, "minute": 43}
